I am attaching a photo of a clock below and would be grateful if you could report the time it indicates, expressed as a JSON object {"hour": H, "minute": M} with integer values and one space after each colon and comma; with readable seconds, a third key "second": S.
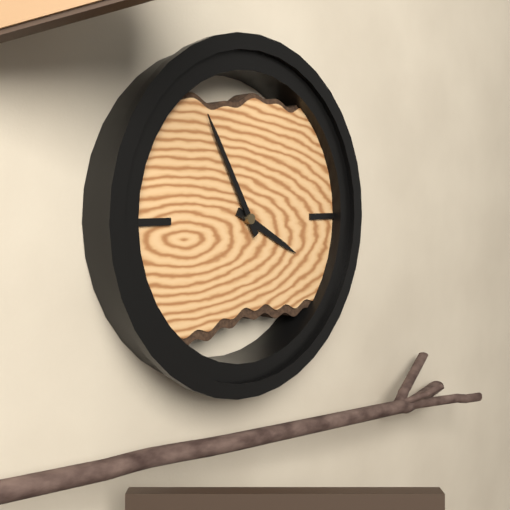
{"hour": 3, "minute": 55}
